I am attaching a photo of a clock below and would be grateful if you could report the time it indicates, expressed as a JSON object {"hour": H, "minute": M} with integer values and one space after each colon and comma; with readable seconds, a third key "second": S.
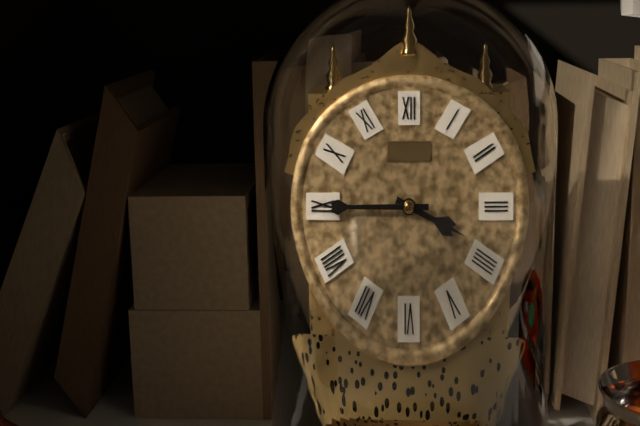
{"hour": 3, "minute": 45}
